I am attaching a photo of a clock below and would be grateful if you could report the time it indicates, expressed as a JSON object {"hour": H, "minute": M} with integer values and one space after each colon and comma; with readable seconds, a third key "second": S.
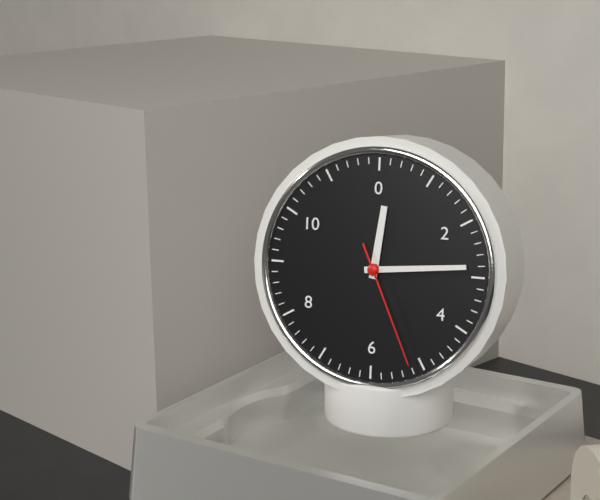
{"hour": 12, "minute": 14, "second": 26}
